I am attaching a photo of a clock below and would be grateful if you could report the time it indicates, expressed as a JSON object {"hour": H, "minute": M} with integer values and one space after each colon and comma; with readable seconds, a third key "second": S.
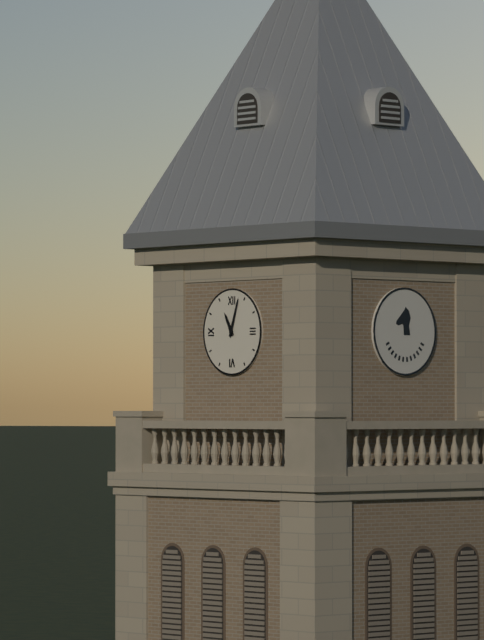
{"hour": 11, "minute": 3}
